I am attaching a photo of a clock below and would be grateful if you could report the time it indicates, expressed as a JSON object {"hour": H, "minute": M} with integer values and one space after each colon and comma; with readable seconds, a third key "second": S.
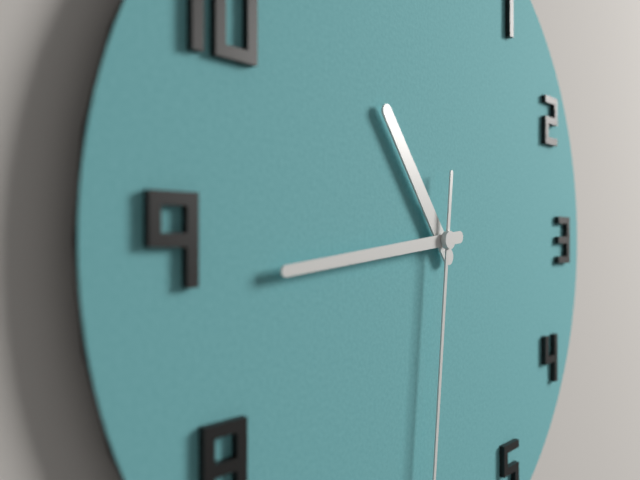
{"hour": 10, "minute": 44}
